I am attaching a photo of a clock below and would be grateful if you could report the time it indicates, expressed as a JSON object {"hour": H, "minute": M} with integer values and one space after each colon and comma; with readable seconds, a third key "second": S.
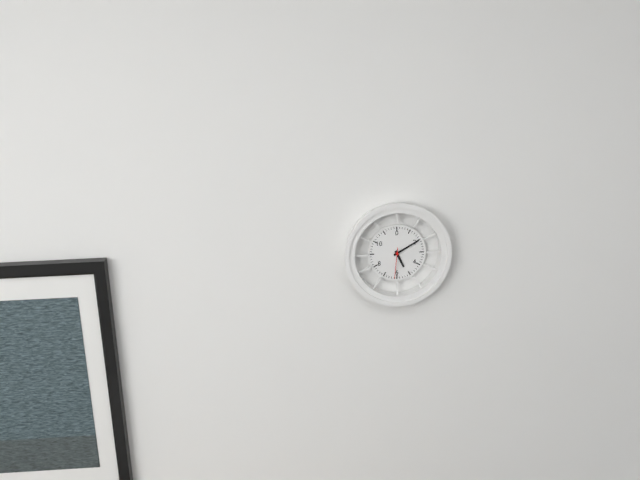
{"hour": 5, "minute": 10}
